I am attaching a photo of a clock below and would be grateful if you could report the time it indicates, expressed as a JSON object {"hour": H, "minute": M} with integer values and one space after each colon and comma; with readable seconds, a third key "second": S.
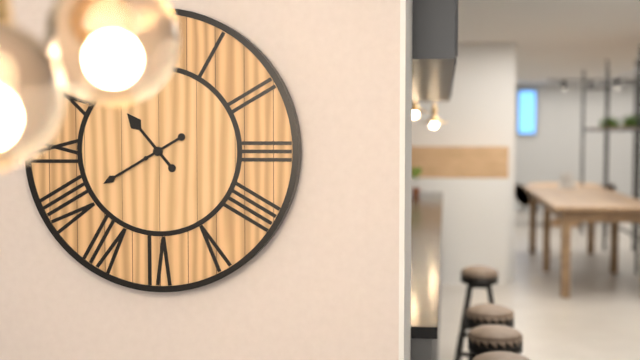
{"hour": 10, "minute": 40}
